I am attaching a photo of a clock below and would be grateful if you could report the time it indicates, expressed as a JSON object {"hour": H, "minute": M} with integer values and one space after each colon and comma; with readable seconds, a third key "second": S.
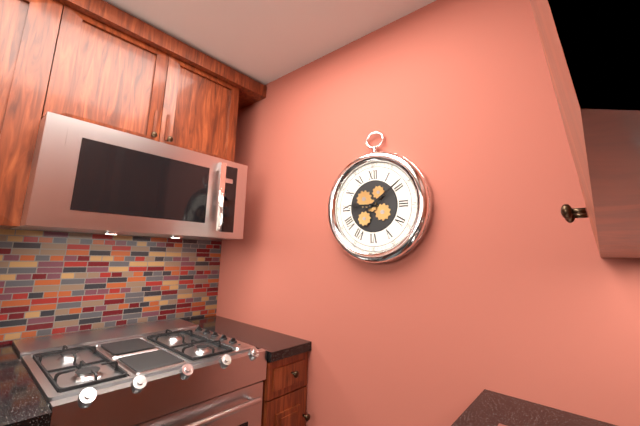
{"hour": 9, "minute": 9}
